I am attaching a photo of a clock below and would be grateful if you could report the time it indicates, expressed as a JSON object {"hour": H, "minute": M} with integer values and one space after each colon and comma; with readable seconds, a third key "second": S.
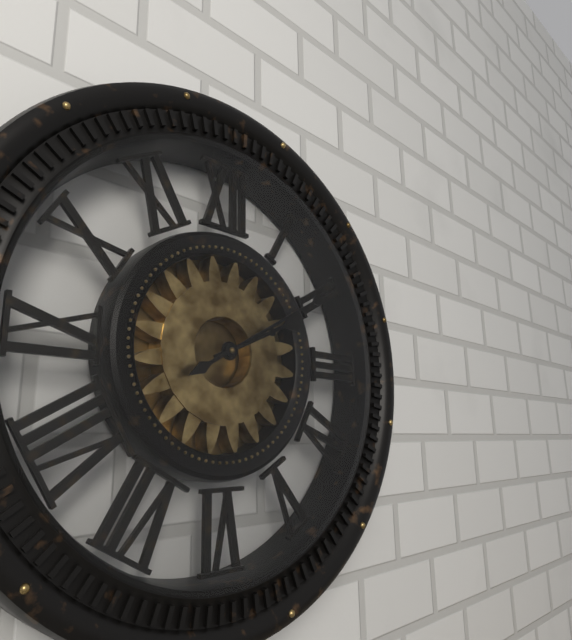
{"hour": 2, "minute": 10}
